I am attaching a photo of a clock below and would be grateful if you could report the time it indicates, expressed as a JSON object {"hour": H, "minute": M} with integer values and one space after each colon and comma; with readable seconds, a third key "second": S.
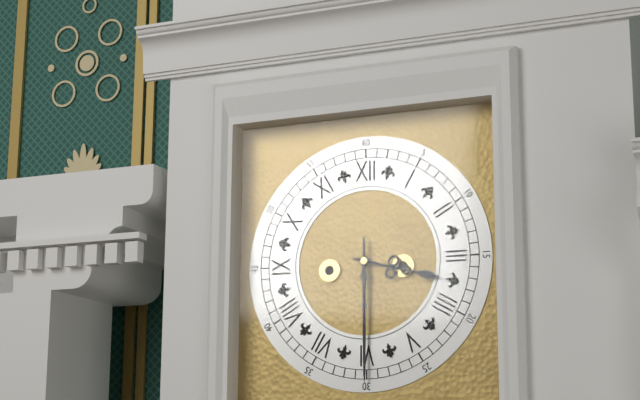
{"hour": 3, "minute": 30}
